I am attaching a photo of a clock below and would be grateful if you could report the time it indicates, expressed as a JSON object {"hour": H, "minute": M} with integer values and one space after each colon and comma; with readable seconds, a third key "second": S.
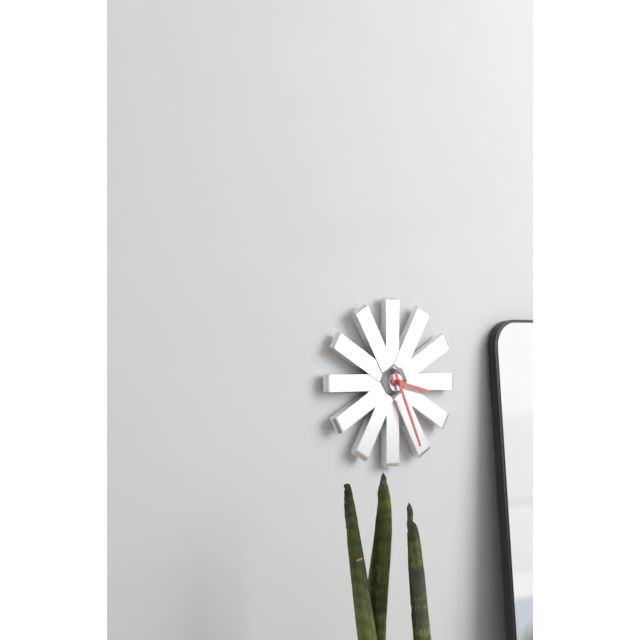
{"hour": 3, "minute": 26}
